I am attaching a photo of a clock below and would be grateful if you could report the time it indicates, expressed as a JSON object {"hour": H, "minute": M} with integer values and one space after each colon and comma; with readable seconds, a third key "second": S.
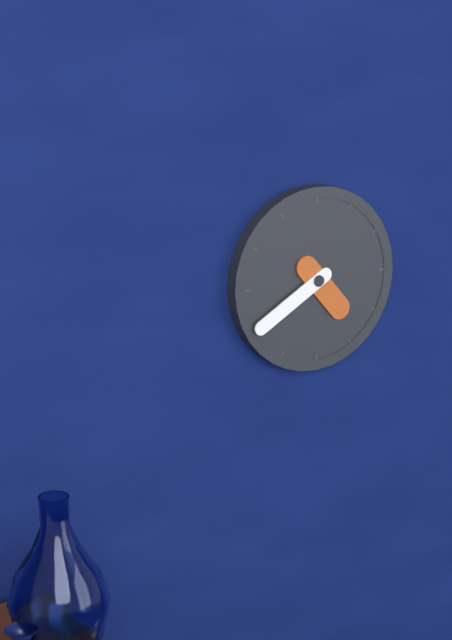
{"hour": 4, "minute": 40}
